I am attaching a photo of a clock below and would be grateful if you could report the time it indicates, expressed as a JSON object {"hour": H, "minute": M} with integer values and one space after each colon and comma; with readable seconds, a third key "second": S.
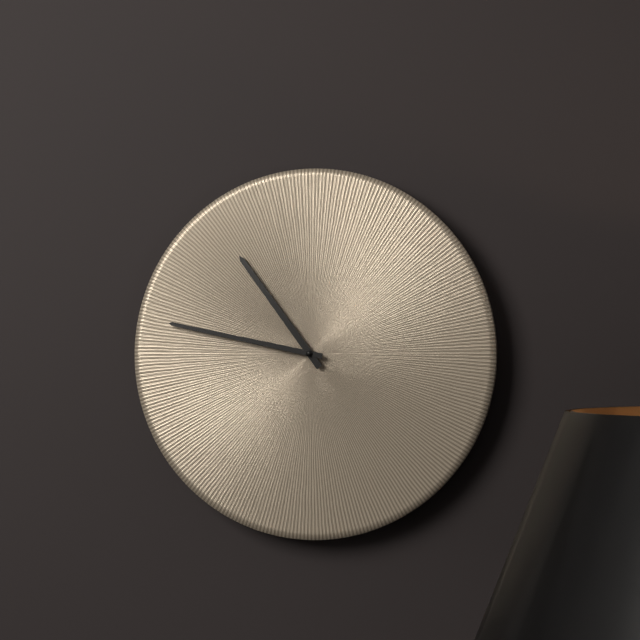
{"hour": 10, "minute": 47}
